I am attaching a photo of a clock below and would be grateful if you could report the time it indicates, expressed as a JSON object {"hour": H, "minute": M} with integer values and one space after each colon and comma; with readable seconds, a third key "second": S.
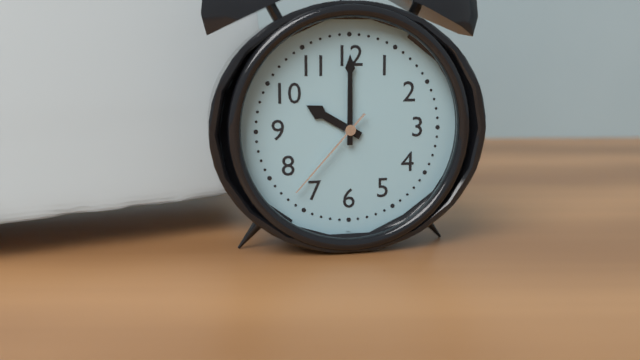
{"hour": 10, "minute": 0, "second": 37}
